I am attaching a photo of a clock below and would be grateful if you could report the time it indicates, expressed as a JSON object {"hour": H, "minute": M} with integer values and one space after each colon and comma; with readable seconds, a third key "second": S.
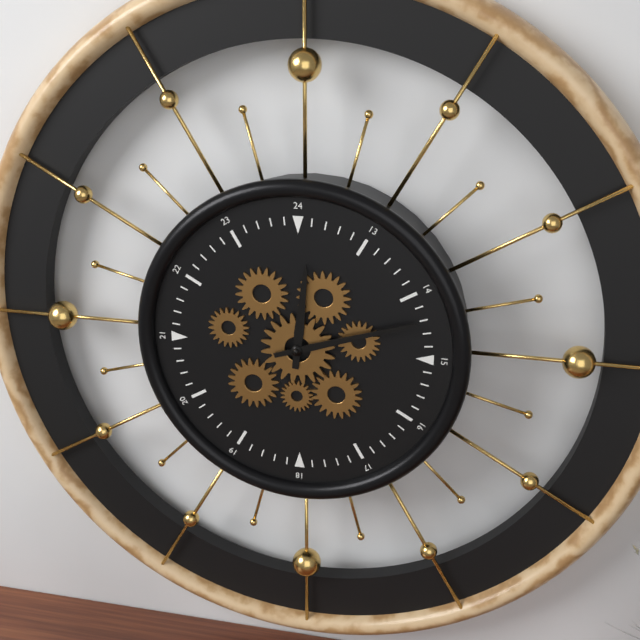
{"hour": 12, "minute": 12}
